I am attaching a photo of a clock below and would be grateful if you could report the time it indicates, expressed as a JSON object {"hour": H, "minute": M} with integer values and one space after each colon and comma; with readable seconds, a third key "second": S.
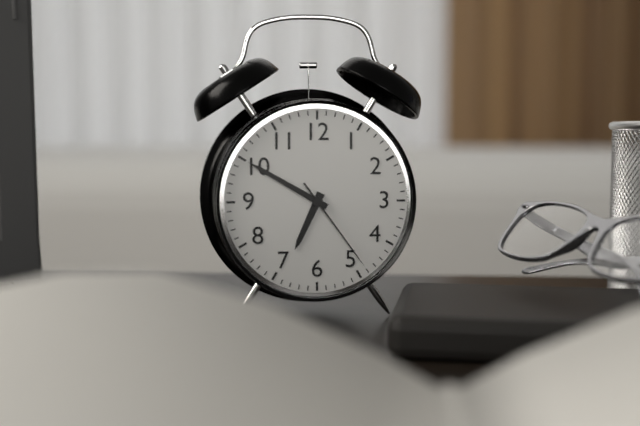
{"hour": 6, "minute": 50, "second": 24}
